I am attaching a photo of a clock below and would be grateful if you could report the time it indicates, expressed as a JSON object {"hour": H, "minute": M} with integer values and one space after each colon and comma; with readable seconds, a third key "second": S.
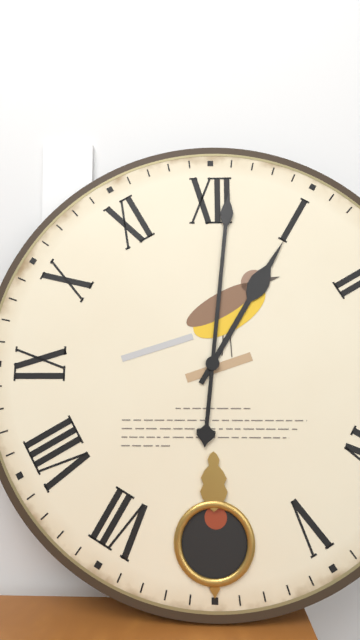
{"hour": 1, "minute": 1}
